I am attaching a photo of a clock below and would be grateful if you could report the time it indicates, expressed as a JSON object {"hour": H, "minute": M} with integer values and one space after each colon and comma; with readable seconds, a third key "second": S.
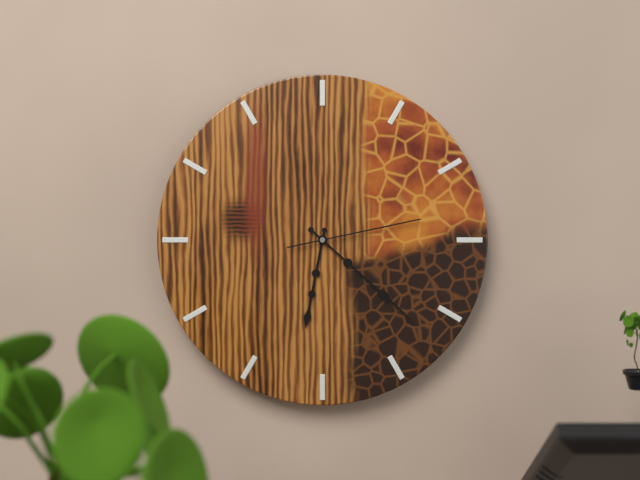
{"hour": 6, "minute": 22, "second": 13}
